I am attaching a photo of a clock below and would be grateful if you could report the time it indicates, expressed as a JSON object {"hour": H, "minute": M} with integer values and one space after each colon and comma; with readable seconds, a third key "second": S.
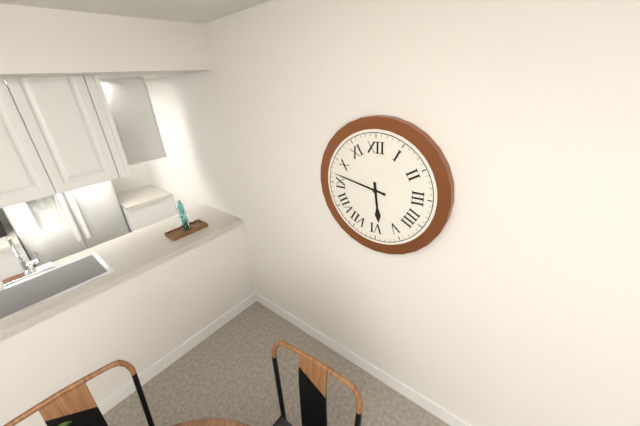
{"hour": 5, "minute": 47}
